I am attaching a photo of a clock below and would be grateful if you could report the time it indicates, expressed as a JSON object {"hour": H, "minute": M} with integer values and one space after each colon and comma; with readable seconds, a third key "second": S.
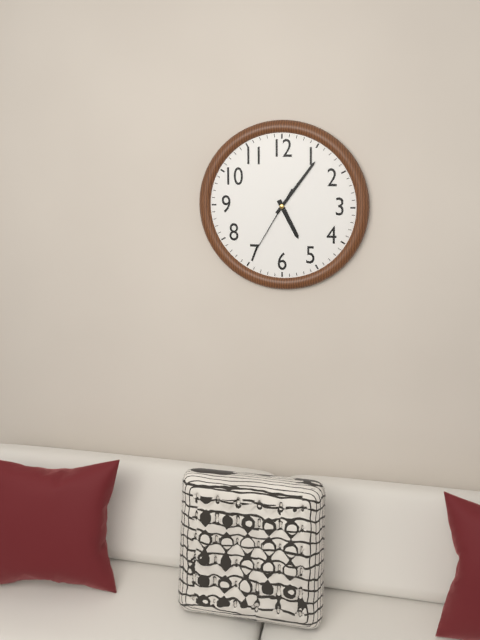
{"hour": 5, "minute": 6, "second": 35}
